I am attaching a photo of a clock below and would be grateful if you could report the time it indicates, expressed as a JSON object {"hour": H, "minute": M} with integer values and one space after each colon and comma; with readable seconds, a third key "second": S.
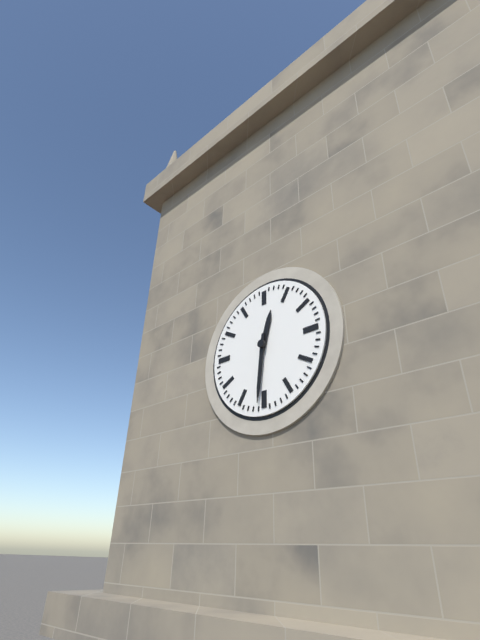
{"hour": 12, "minute": 31}
